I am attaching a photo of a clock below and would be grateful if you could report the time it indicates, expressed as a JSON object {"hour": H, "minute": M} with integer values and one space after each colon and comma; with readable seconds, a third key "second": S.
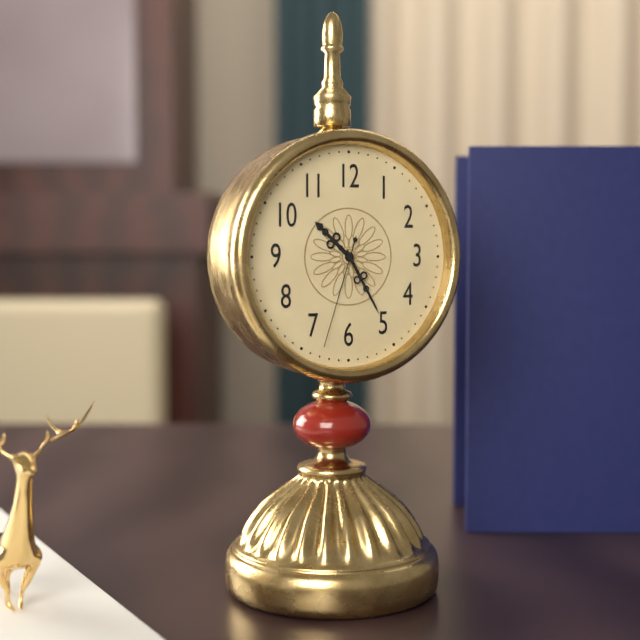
{"hour": 10, "minute": 25, "second": 33}
